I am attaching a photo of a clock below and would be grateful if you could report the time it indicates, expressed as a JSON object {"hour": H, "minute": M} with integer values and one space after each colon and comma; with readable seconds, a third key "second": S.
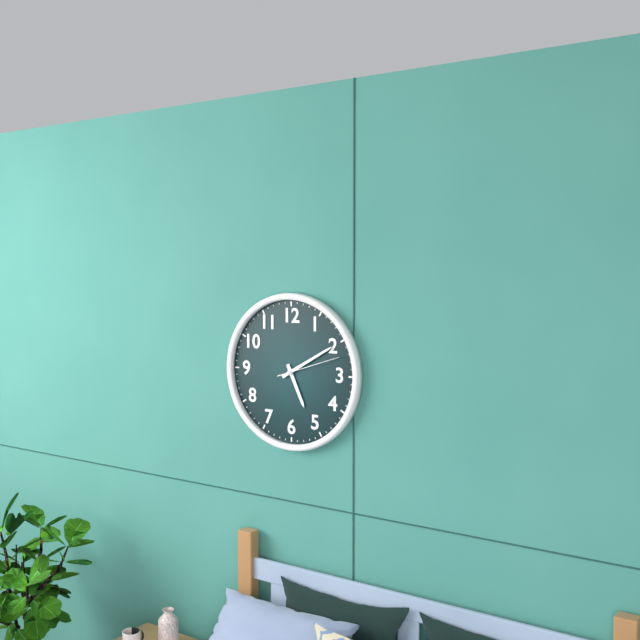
{"hour": 5, "minute": 10, "second": 12}
